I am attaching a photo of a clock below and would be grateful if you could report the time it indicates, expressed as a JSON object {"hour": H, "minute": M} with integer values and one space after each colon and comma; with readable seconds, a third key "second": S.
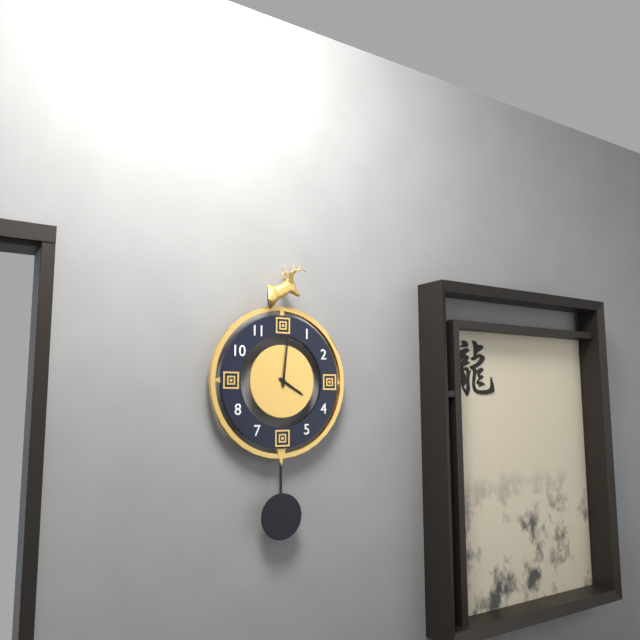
{"hour": 4, "minute": 1}
